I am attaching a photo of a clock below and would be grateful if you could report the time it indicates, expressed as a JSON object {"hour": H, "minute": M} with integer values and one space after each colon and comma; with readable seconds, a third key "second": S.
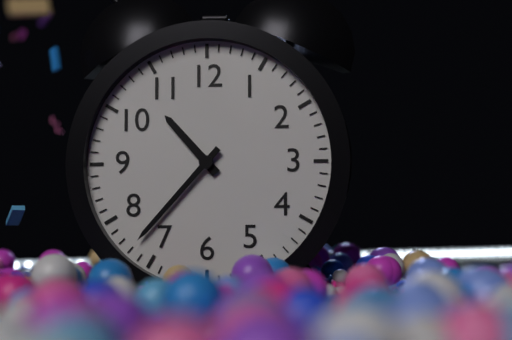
{"hour": 10, "minute": 37}
